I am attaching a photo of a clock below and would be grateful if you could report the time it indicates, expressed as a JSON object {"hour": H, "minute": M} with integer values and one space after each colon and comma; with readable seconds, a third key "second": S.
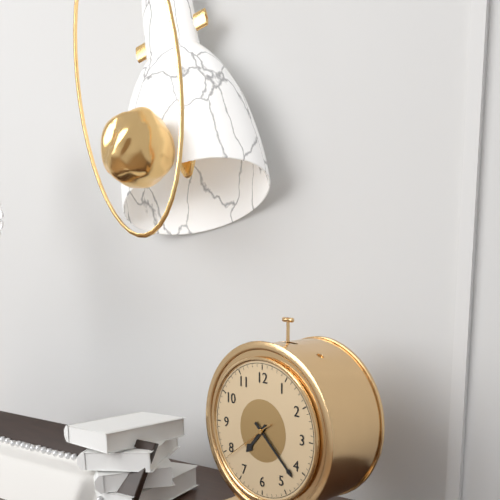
{"hour": 7, "minute": 22, "second": 39}
